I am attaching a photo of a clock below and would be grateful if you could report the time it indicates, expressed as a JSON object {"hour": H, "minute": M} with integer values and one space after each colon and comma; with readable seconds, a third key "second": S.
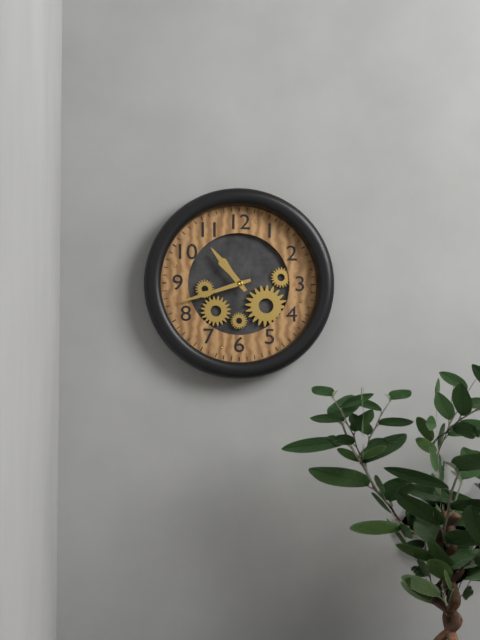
{"hour": 10, "minute": 42}
